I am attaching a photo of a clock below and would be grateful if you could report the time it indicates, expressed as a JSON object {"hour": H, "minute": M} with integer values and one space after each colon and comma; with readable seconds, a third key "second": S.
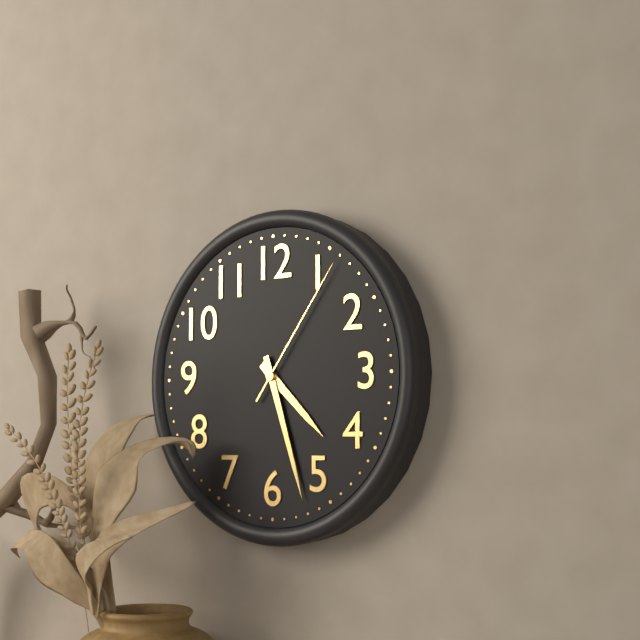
{"hour": 4, "minute": 27, "second": 6}
